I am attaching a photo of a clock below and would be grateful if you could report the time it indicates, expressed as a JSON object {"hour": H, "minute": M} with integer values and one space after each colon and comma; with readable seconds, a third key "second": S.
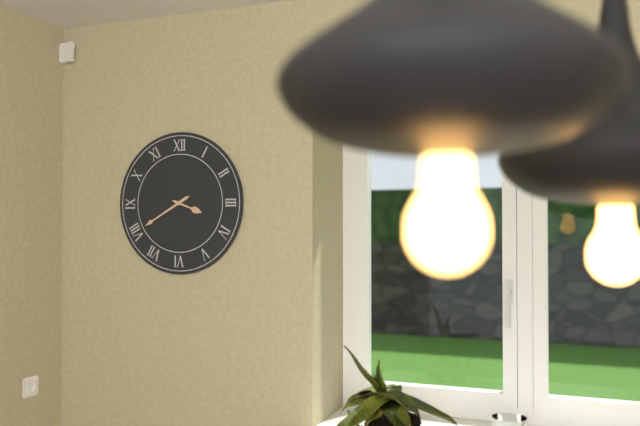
{"hour": 3, "minute": 40}
